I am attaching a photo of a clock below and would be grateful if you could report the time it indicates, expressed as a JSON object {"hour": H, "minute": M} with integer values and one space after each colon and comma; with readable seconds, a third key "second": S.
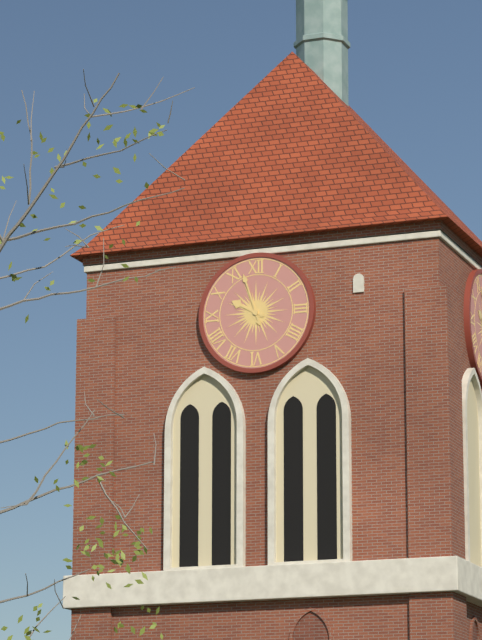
{"hour": 9, "minute": 57}
